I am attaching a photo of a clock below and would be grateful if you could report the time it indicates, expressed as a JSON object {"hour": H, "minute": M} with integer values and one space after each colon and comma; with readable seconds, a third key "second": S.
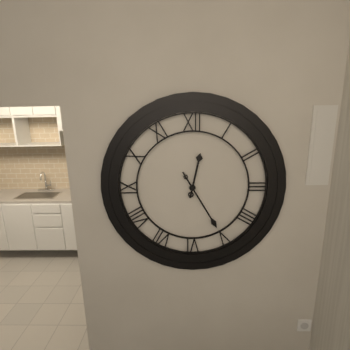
{"hour": 12, "minute": 25}
